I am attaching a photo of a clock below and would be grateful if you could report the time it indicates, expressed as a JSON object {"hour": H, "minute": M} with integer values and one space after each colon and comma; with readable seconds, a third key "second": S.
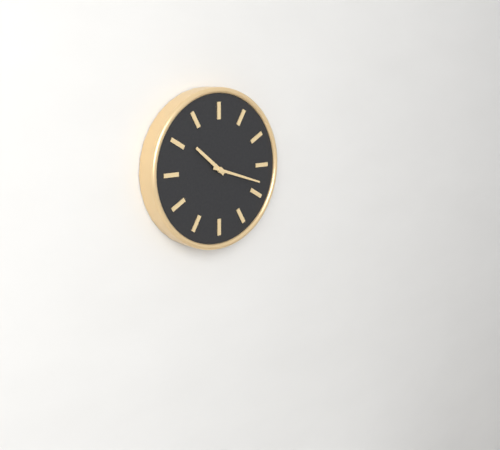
{"hour": 10, "minute": 18}
